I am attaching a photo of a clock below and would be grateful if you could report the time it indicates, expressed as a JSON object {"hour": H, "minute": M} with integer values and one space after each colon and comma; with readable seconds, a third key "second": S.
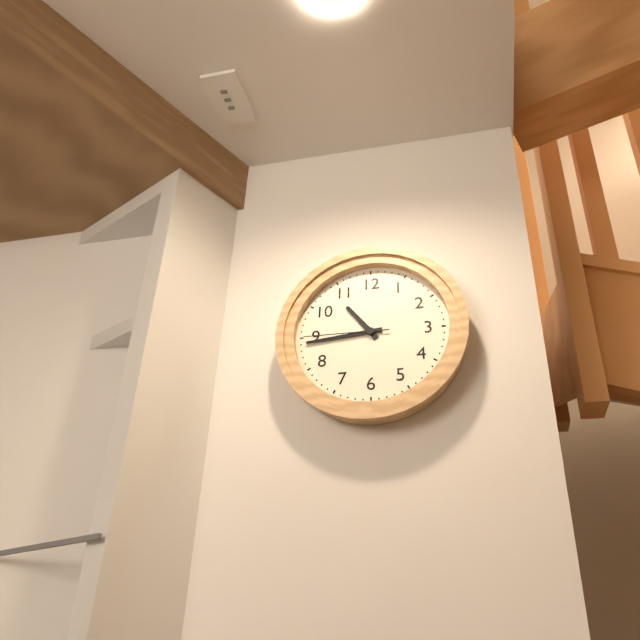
{"hour": 10, "minute": 44, "second": 45}
